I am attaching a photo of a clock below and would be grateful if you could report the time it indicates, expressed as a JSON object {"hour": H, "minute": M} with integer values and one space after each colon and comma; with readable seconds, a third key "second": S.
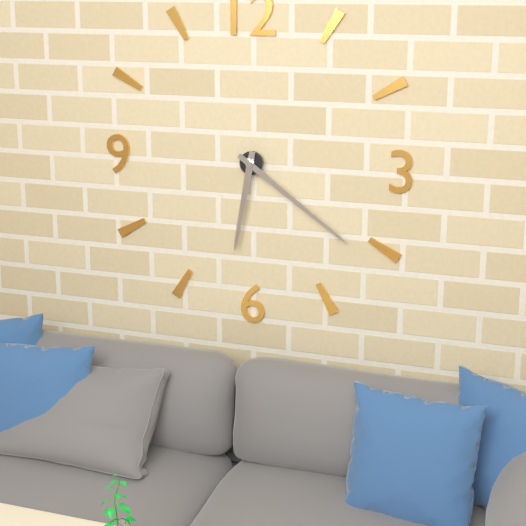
{"hour": 6, "minute": 21}
